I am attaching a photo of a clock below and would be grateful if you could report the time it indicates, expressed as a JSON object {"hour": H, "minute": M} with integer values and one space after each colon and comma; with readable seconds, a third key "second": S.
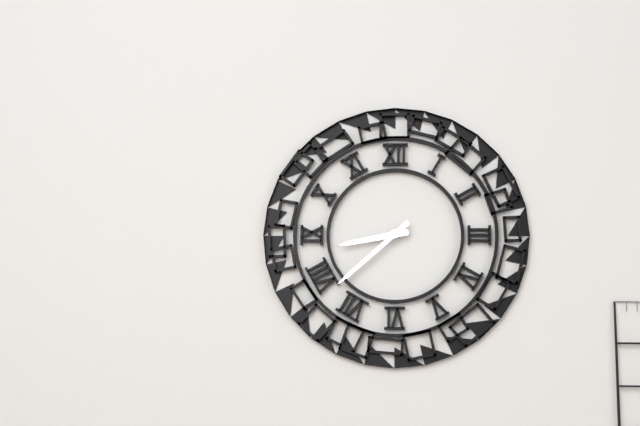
{"hour": 8, "minute": 38}
